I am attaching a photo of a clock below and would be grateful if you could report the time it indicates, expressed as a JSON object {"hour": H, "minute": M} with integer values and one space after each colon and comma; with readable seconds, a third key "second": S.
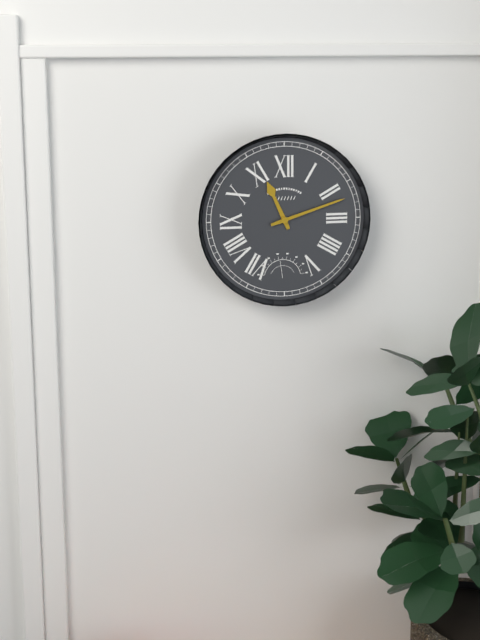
{"hour": 11, "minute": 12}
